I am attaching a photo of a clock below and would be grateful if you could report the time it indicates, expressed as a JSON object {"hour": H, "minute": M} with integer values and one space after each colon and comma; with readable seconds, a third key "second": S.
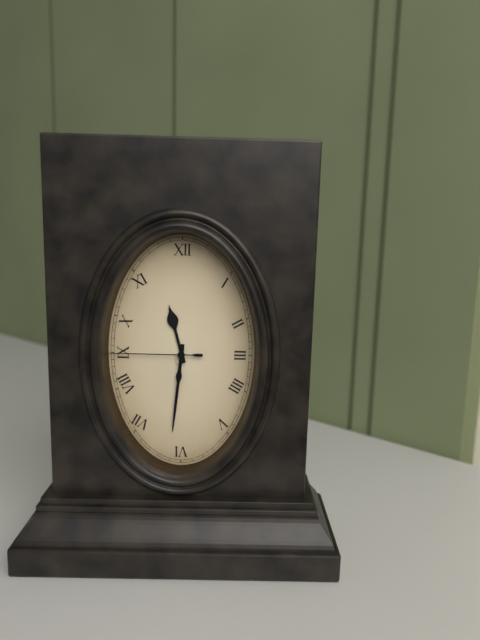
{"hour": 11, "minute": 31, "second": 45}
